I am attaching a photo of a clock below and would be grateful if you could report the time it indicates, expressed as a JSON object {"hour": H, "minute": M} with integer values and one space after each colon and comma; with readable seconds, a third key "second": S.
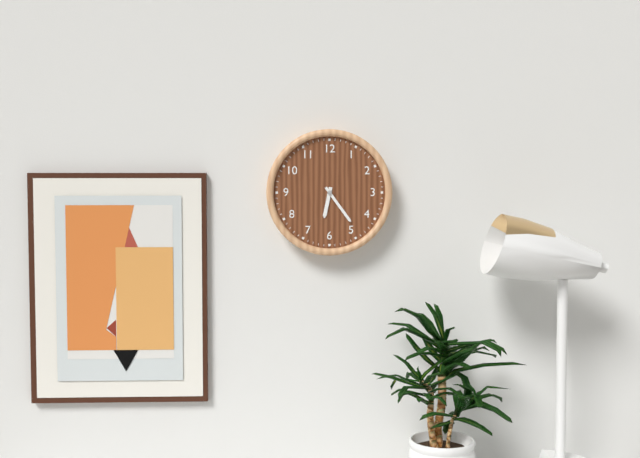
{"hour": 6, "minute": 24}
